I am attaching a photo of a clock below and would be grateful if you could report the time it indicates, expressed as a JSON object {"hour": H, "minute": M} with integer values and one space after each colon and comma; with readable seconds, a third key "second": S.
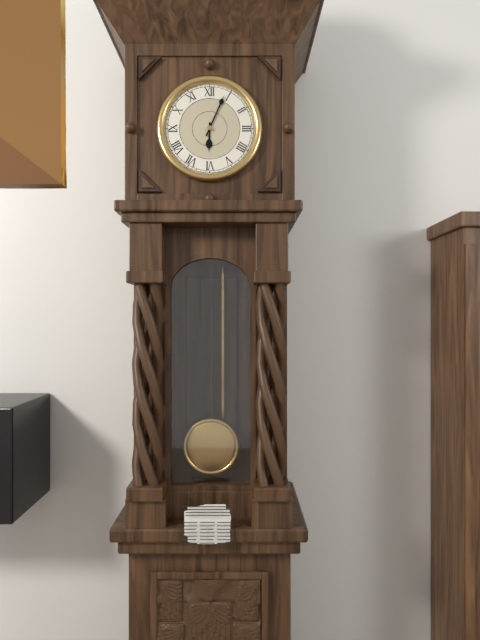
{"hour": 6, "minute": 4}
